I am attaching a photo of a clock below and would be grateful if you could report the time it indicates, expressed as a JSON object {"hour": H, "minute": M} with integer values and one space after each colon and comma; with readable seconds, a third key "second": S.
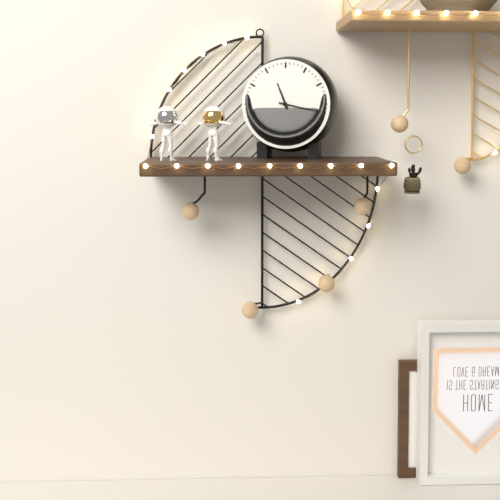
{"hour": 11, "minute": 17}
